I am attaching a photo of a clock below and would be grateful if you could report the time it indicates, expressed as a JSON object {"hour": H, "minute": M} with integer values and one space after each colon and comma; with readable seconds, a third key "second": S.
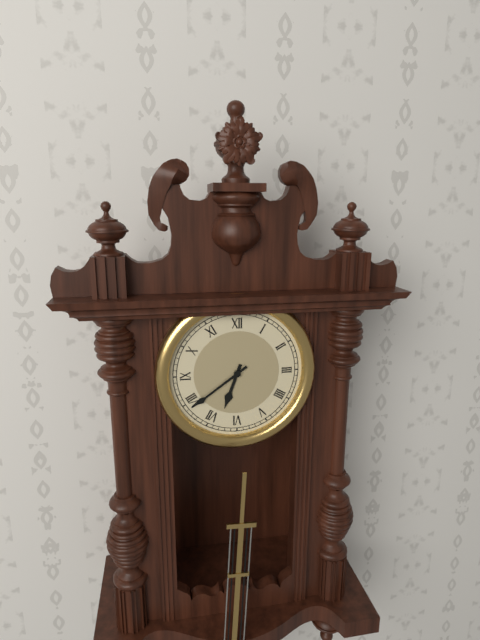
{"hour": 6, "minute": 39}
